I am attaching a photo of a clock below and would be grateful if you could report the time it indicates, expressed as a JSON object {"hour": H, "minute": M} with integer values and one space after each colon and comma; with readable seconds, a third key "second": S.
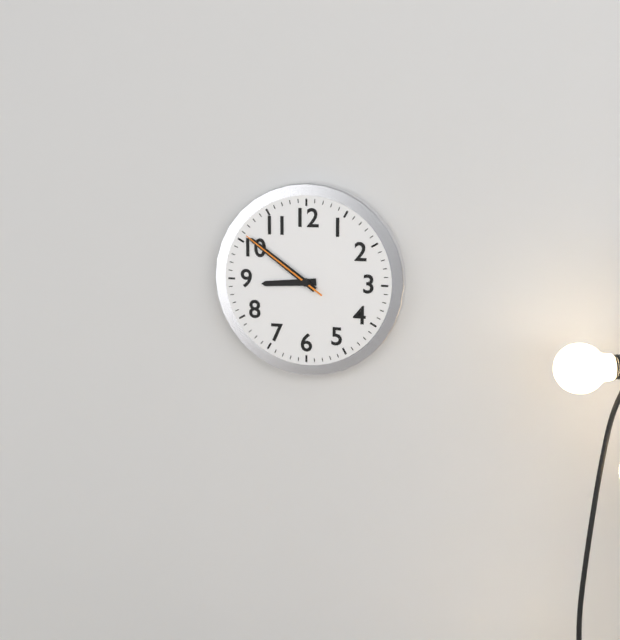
{"hour": 8, "minute": 51, "second": 51}
